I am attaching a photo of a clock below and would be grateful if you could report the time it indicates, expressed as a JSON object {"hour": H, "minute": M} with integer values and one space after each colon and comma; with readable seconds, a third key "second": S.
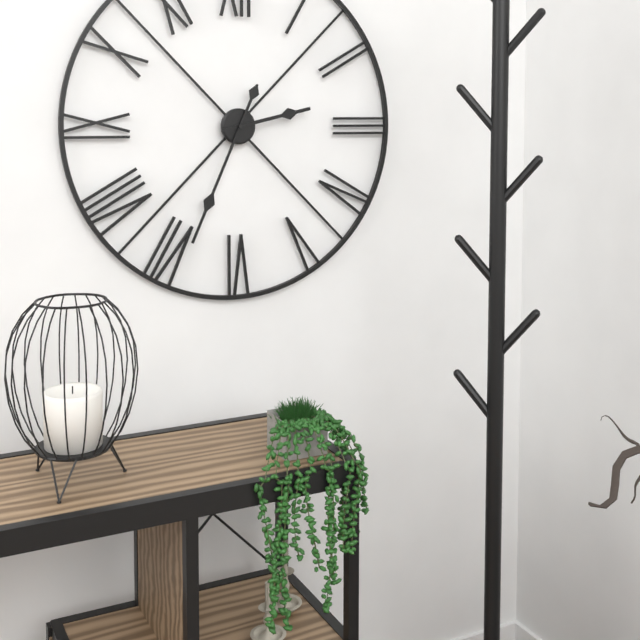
{"hour": 2, "minute": 34}
